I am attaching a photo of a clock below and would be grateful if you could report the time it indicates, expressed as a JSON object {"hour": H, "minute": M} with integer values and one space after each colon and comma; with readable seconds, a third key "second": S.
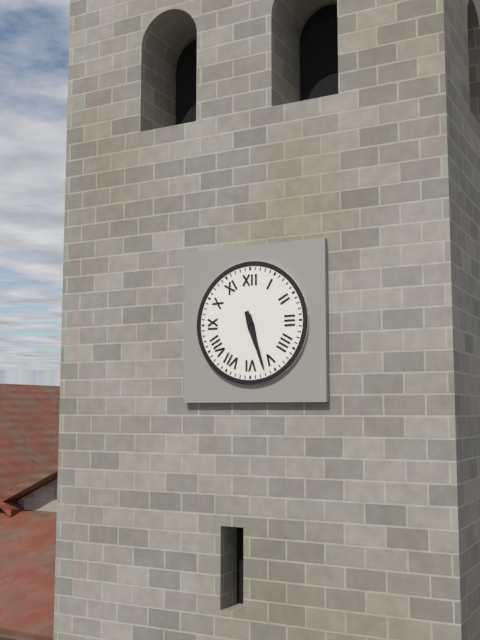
{"hour": 5, "minute": 27}
